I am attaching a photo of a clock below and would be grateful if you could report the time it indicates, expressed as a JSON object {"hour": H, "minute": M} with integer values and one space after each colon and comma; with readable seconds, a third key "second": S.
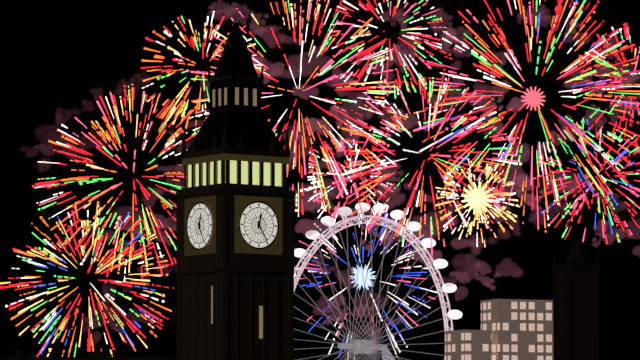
{"hour": 12, "minute": 25}
